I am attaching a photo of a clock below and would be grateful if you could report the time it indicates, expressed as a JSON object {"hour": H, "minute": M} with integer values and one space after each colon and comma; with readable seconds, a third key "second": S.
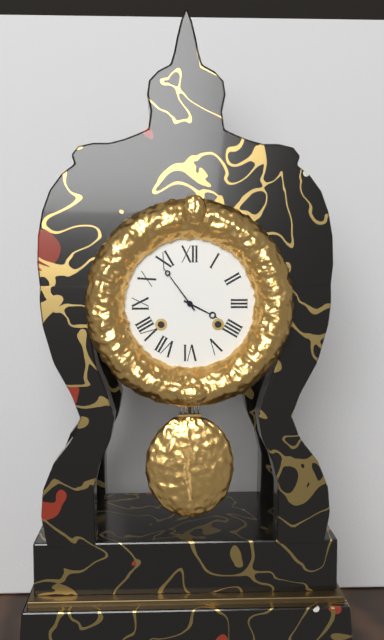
{"hour": 3, "minute": 54}
